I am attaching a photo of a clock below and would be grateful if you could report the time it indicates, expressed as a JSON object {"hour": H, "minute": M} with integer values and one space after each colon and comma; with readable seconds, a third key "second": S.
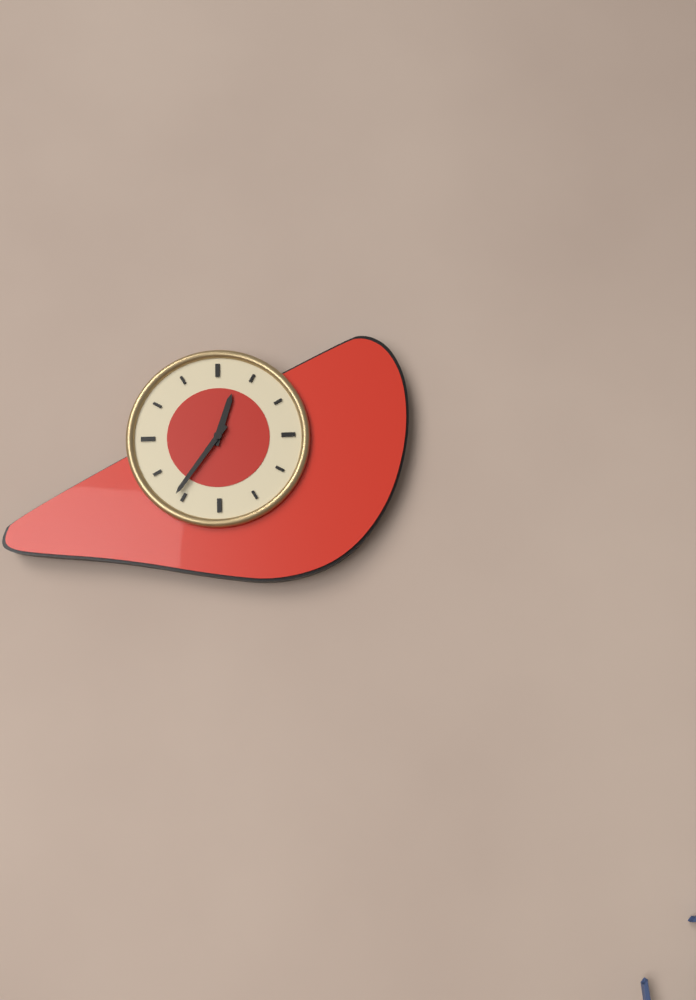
{"hour": 12, "minute": 36}
